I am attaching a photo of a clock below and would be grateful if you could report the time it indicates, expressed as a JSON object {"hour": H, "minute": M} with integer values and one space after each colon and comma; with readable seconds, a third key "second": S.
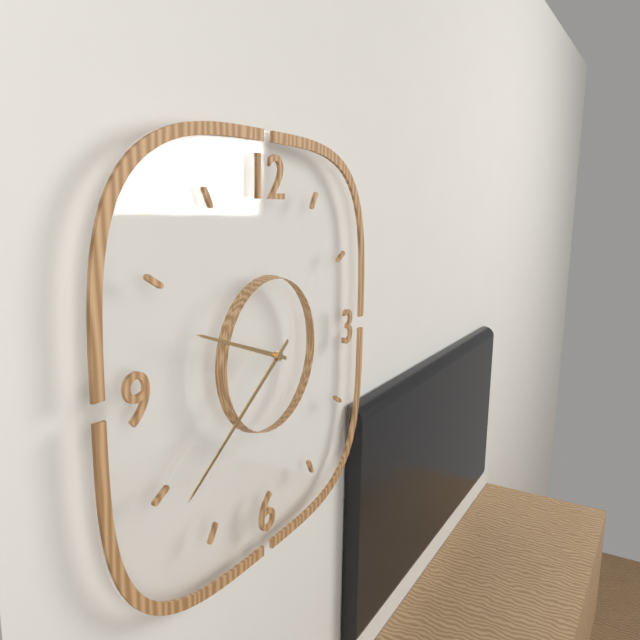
{"hour": 9, "minute": 39}
